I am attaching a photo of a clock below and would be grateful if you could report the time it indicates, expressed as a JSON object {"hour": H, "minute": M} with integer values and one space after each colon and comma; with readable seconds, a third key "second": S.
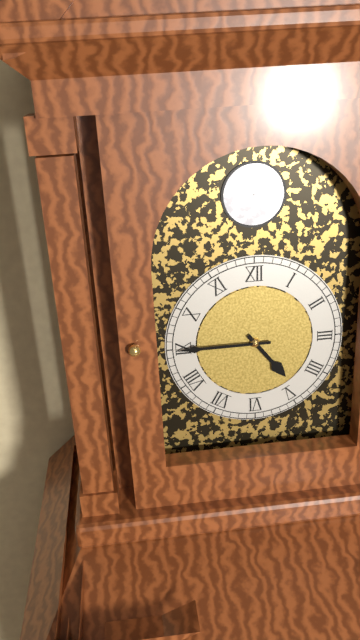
{"hour": 4, "minute": 45}
